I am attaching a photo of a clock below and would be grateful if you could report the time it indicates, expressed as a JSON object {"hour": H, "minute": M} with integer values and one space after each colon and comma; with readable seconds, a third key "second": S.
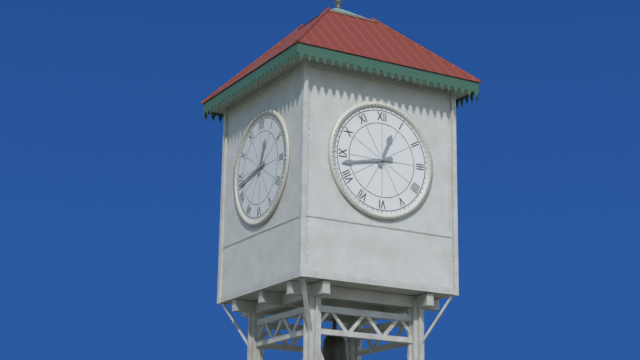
{"hour": 12, "minute": 43}
